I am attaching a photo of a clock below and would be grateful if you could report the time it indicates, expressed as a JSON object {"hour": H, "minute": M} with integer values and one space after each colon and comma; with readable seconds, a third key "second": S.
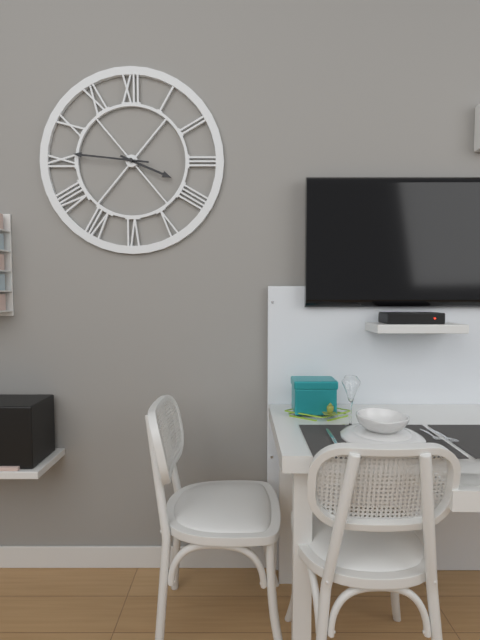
{"hour": 3, "minute": 46}
